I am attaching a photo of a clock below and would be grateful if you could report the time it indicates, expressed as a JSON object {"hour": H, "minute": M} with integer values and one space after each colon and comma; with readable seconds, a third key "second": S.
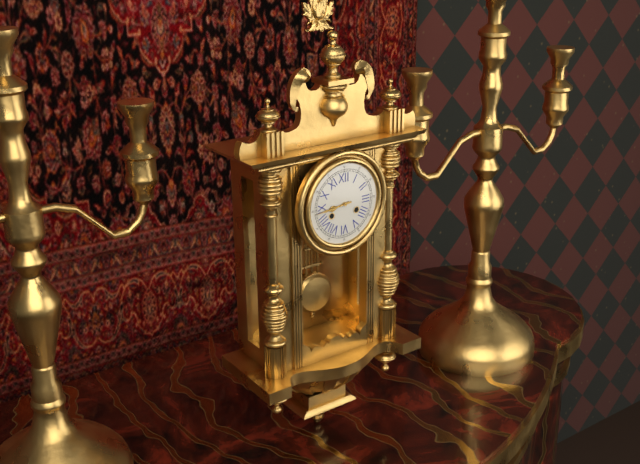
{"hour": 8, "minute": 44}
